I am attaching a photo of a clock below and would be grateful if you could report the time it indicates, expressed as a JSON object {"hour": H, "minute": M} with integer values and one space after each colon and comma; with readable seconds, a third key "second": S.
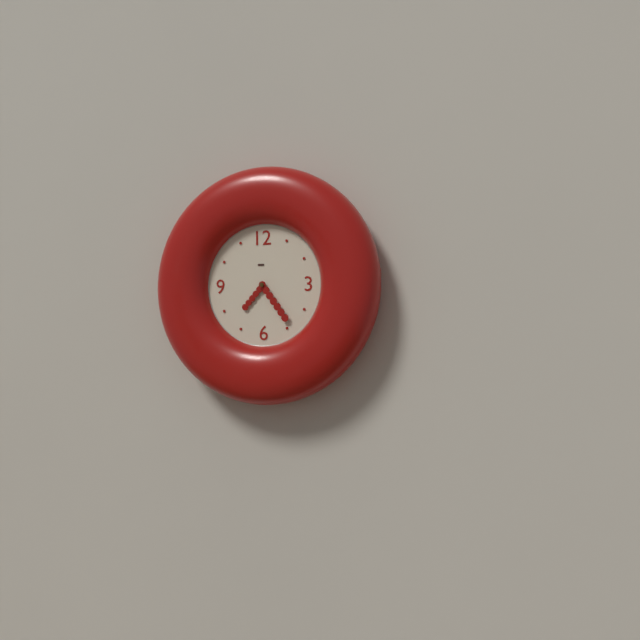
{"hour": 7, "minute": 24}
